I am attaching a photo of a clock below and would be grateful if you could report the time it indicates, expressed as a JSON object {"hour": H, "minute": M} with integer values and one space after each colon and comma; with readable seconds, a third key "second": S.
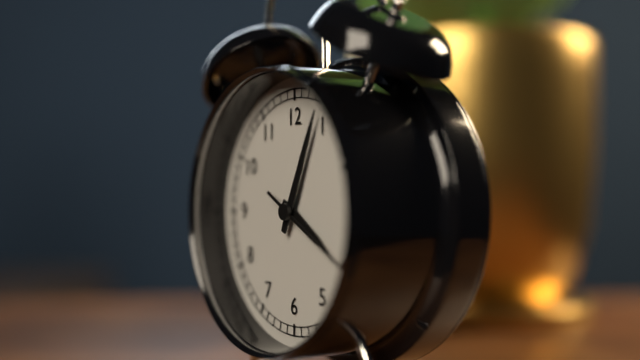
{"hour": 4, "minute": 4, "second": 20}
